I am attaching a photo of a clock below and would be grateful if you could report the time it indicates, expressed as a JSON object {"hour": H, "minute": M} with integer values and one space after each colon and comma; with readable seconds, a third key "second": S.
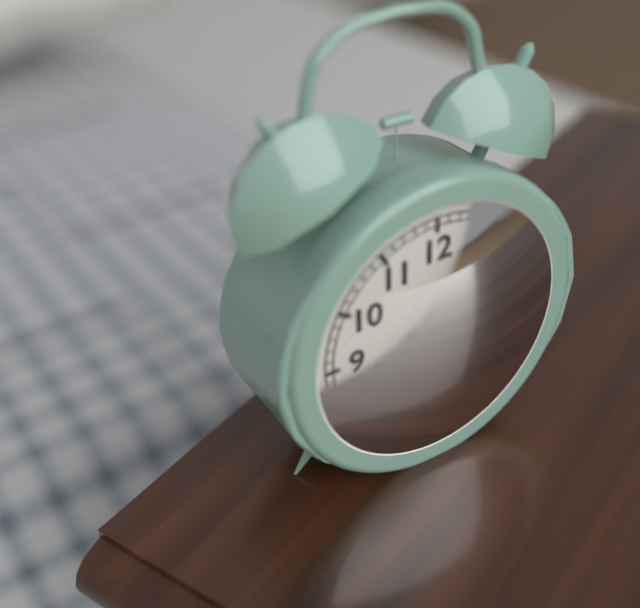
{"hour": 1, "minute": 12, "second": 18}
